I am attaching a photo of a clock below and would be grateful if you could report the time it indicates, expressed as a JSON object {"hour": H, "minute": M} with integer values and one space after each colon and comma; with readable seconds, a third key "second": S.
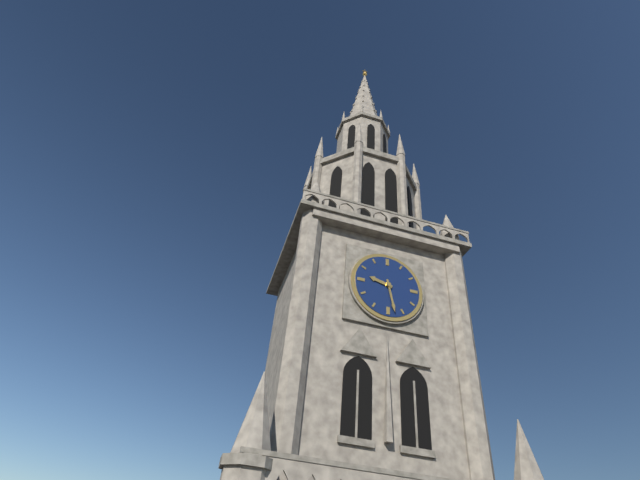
{"hour": 9, "minute": 28}
